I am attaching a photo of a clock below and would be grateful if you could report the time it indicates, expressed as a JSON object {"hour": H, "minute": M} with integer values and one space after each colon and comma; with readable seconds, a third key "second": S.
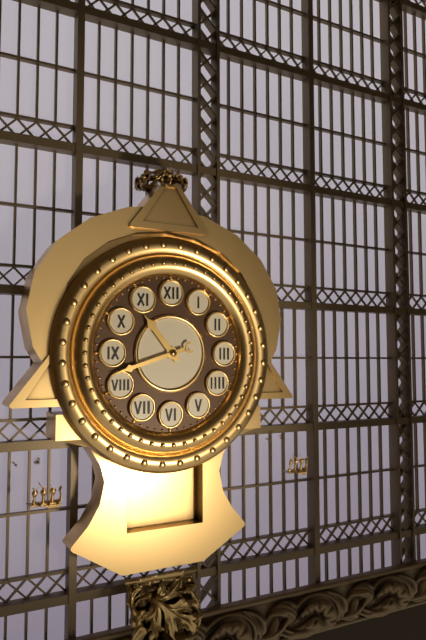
{"hour": 10, "minute": 42}
